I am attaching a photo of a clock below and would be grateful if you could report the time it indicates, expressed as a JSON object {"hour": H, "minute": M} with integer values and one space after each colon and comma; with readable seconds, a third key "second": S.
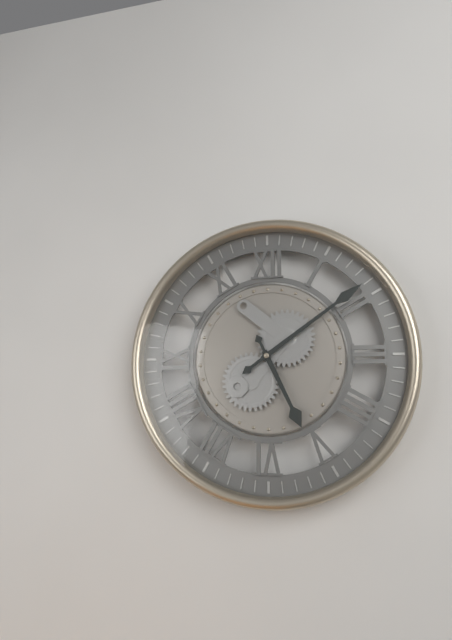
{"hour": 5, "minute": 9}
